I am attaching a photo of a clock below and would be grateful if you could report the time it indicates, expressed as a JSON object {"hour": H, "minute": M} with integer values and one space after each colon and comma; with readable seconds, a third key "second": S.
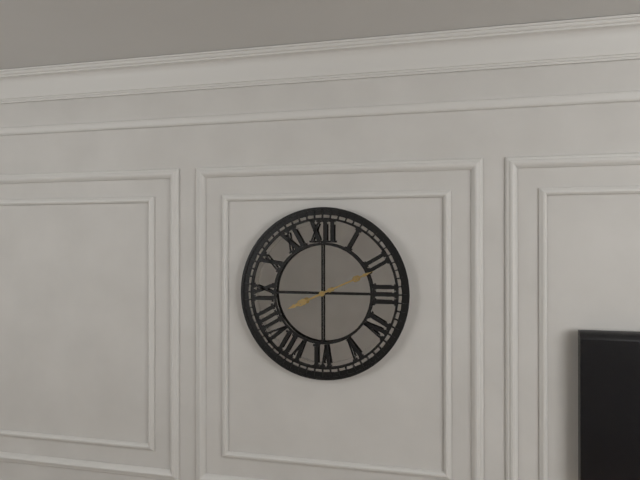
{"hour": 8, "minute": 11}
